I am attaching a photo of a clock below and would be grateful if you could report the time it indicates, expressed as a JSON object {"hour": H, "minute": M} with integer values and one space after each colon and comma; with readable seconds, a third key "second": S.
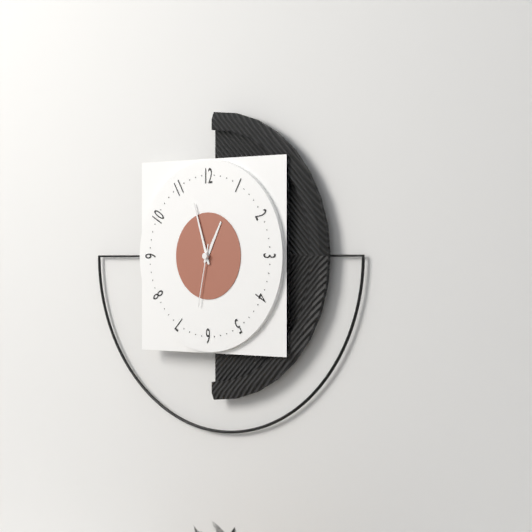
{"hour": 12, "minute": 57, "second": 32}
